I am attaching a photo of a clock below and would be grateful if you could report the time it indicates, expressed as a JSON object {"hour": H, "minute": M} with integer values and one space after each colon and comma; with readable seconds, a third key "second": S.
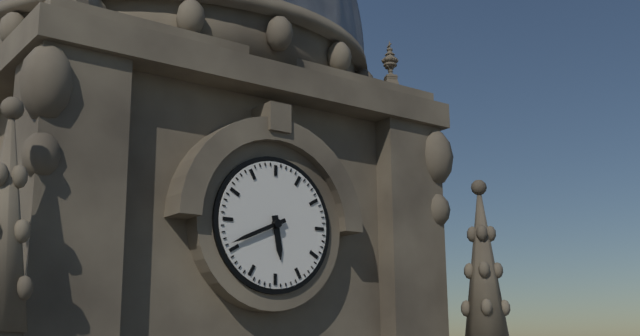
{"hour": 5, "minute": 41}
